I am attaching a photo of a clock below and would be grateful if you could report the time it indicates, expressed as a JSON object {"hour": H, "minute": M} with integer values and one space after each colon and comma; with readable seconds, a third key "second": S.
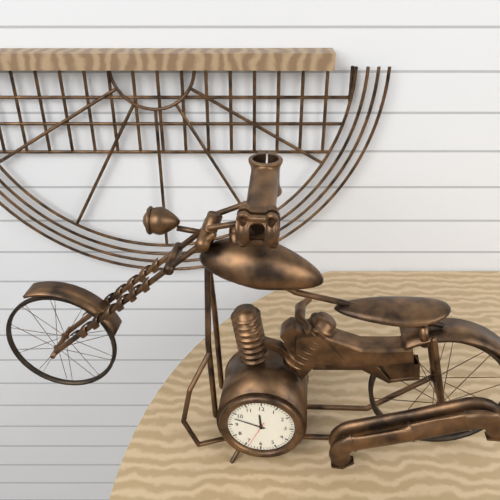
{"hour": 11, "minute": 48}
